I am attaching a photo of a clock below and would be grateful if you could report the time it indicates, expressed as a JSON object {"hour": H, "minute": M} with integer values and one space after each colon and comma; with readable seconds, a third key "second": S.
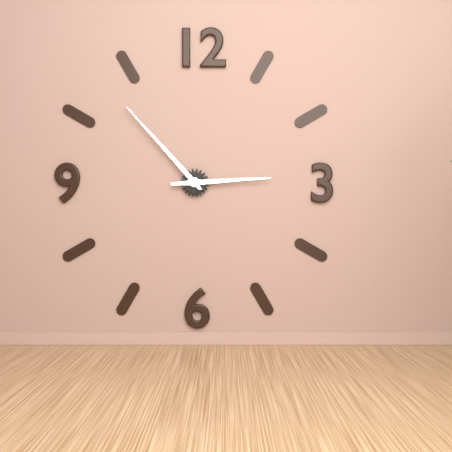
{"hour": 2, "minute": 53}
